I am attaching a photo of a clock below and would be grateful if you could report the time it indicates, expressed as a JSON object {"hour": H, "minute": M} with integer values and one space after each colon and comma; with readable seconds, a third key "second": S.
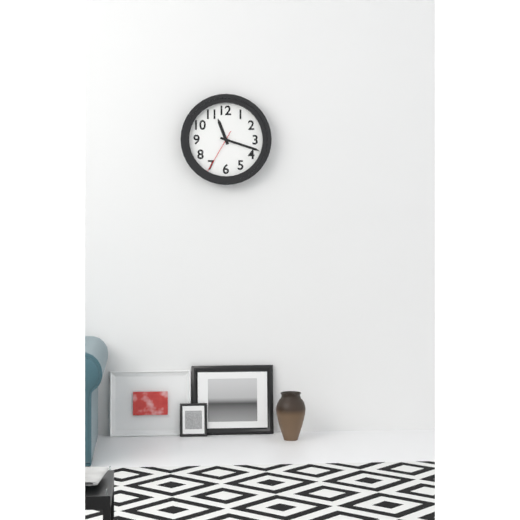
{"hour": 11, "minute": 18}
